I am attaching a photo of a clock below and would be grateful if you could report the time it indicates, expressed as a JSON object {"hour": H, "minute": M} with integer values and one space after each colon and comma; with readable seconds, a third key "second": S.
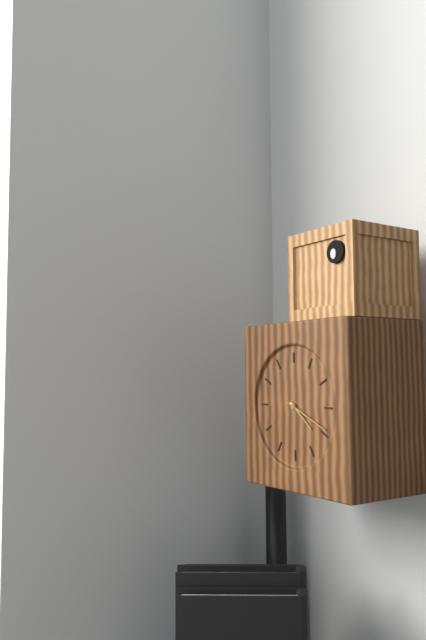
{"hour": 4, "minute": 19}
